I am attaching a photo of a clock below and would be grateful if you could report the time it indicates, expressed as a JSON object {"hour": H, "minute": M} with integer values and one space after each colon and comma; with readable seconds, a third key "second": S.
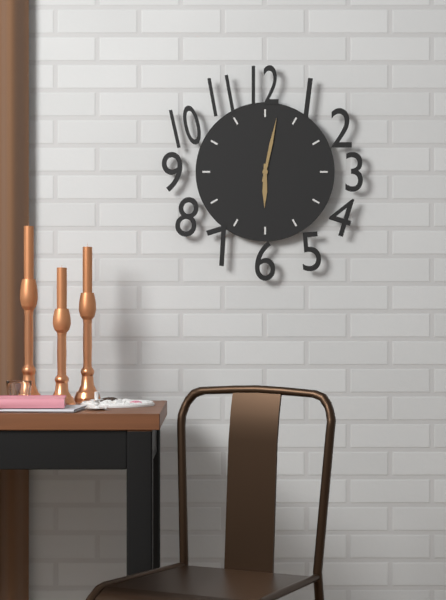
{"hour": 6, "minute": 2}
